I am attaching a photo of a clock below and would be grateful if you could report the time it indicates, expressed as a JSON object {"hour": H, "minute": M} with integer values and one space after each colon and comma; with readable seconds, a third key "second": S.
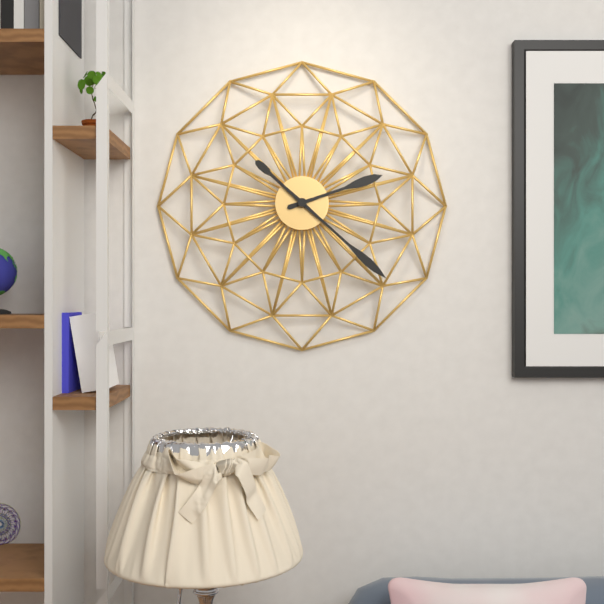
{"hour": 2, "minute": 22}
